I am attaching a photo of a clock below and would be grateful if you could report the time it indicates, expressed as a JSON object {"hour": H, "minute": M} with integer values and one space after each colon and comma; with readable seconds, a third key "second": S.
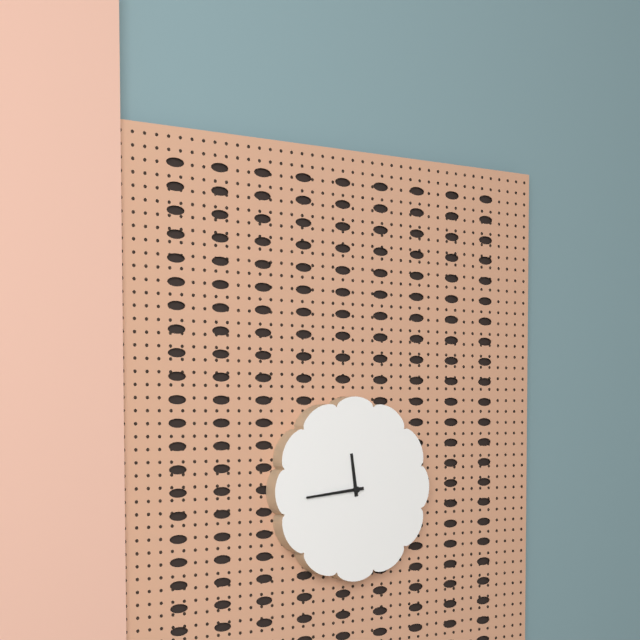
{"hour": 11, "minute": 44}
